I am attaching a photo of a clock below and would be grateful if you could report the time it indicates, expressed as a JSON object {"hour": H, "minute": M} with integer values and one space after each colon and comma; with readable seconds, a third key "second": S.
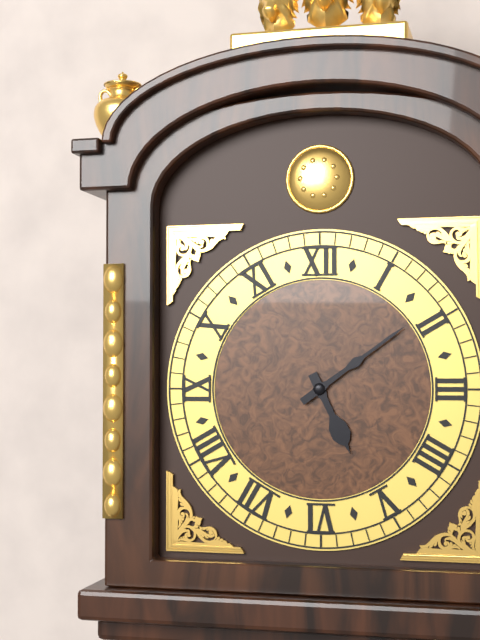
{"hour": 5, "minute": 9}
